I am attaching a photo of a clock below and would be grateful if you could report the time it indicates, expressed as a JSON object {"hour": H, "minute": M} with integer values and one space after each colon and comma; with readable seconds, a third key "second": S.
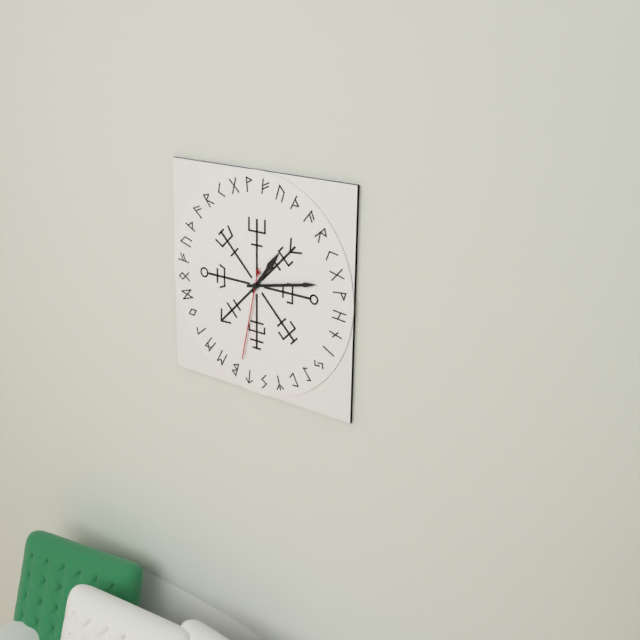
{"hour": 1, "minute": 13, "second": 32}
